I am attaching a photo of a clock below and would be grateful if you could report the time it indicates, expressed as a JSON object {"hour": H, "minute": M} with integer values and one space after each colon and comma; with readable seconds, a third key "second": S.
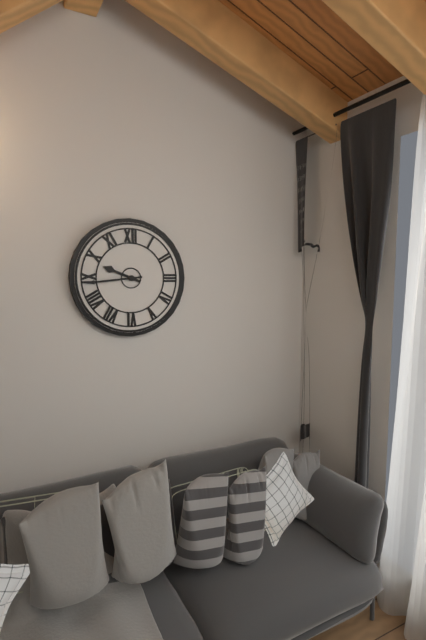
{"hour": 9, "minute": 44}
